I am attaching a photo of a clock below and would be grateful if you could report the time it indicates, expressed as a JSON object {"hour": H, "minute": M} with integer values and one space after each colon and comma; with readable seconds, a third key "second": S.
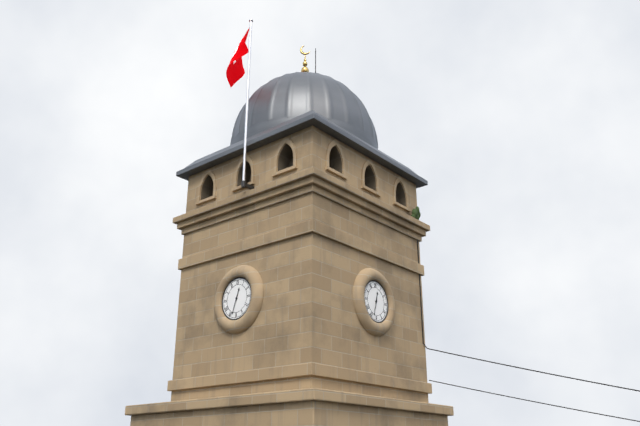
{"hour": 12, "minute": 33}
